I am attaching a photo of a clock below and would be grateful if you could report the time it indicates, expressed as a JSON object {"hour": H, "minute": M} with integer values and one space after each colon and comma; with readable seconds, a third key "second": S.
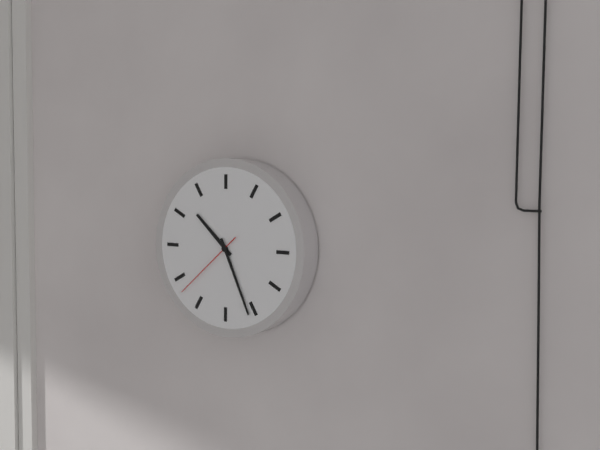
{"hour": 10, "minute": 26, "second": 38}
